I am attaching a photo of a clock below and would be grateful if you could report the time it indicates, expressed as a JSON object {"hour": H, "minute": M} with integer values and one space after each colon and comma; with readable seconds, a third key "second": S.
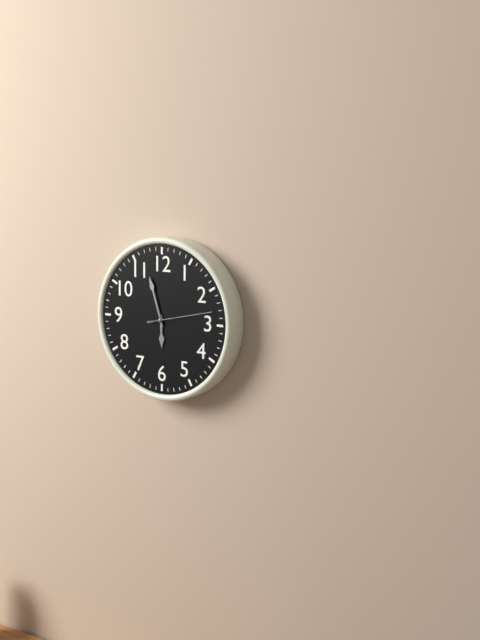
{"hour": 5, "minute": 57, "second": 13}
